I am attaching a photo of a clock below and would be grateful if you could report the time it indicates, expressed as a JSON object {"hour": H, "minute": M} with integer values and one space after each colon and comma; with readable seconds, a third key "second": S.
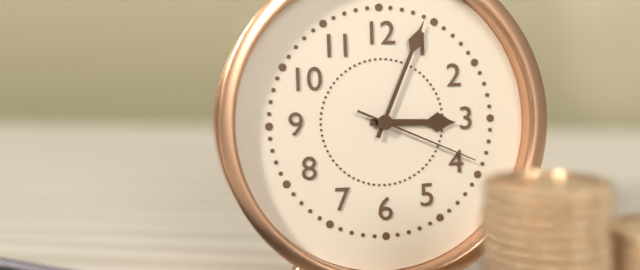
{"hour": 3, "minute": 4, "second": 19}
